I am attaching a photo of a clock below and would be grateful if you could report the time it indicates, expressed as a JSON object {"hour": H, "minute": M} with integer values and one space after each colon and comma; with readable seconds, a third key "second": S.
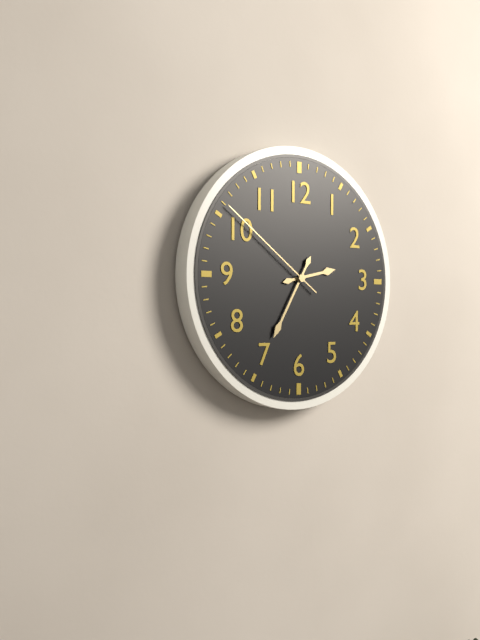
{"hour": 2, "minute": 35, "second": 51}
